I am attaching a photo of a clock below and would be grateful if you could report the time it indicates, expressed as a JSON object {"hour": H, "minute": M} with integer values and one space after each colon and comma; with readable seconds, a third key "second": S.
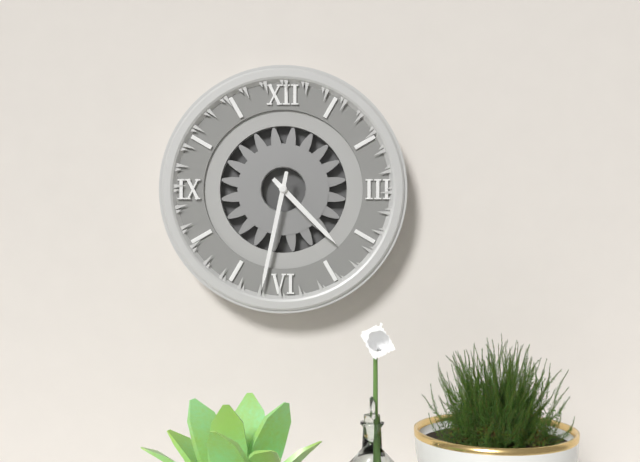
{"hour": 4, "minute": 32}
